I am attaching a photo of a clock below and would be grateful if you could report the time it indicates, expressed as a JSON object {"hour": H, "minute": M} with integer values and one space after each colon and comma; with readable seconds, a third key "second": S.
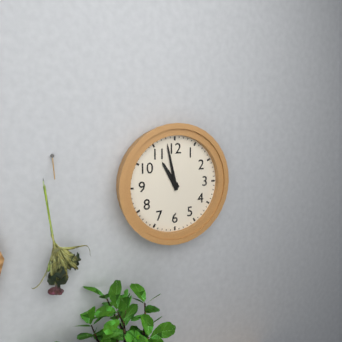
{"hour": 10, "minute": 58}
